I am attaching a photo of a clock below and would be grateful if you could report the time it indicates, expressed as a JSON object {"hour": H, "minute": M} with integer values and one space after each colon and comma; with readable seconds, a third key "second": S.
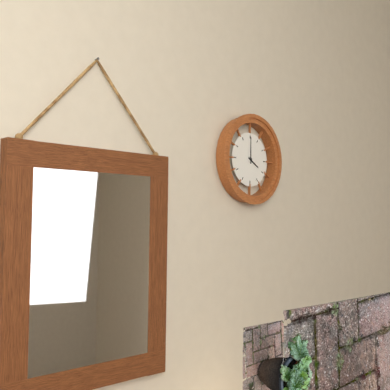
{"hour": 4, "minute": 0}
